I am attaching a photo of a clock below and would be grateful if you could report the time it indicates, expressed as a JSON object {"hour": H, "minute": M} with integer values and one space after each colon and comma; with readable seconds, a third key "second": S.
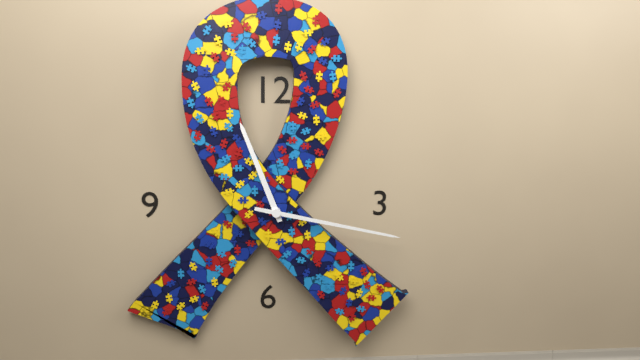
{"hour": 11, "minute": 17}
